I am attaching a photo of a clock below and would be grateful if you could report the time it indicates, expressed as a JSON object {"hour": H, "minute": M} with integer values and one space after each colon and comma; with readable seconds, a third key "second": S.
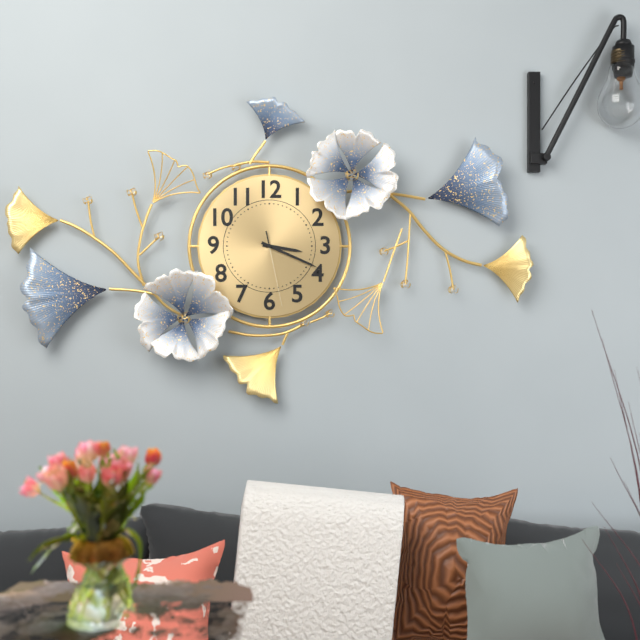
{"hour": 3, "minute": 19, "second": 28}
